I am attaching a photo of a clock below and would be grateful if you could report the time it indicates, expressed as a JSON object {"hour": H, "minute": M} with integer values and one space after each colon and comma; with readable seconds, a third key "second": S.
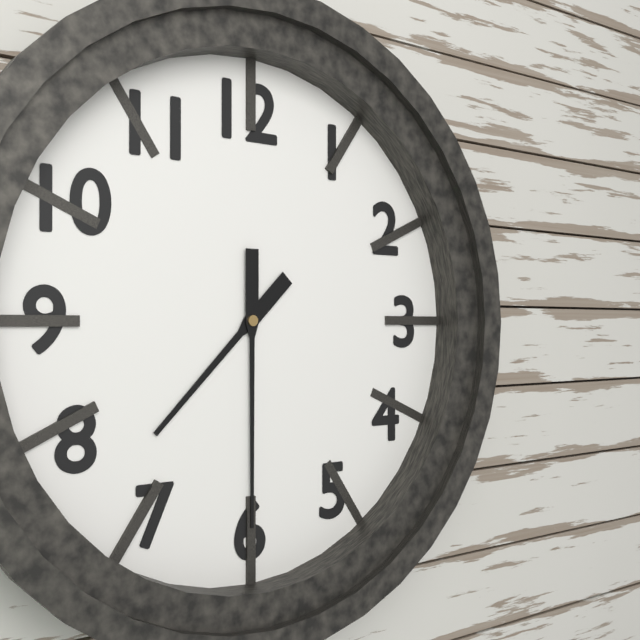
{"hour": 7, "minute": 30}
